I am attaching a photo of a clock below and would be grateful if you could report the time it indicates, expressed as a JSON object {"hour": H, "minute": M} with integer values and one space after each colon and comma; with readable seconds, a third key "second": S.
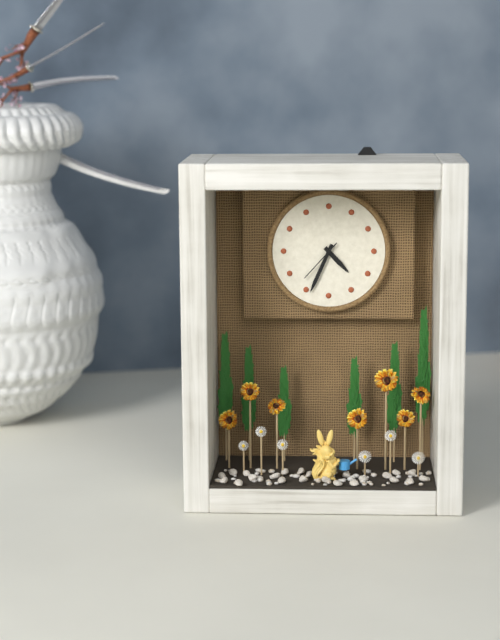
{"hour": 4, "minute": 34}
